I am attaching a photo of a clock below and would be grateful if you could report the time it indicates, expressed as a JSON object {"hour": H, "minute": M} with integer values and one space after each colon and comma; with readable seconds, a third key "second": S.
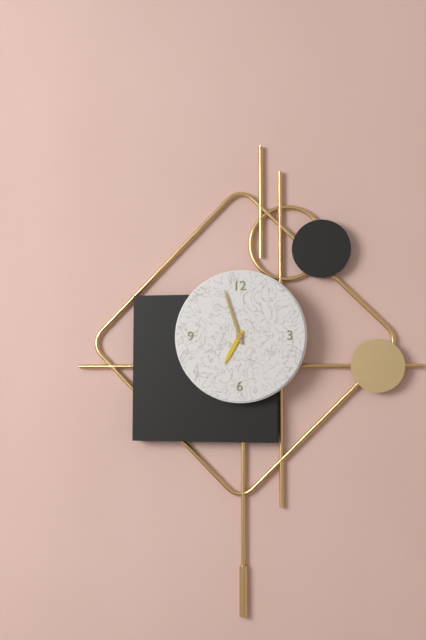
{"hour": 6, "minute": 57}
